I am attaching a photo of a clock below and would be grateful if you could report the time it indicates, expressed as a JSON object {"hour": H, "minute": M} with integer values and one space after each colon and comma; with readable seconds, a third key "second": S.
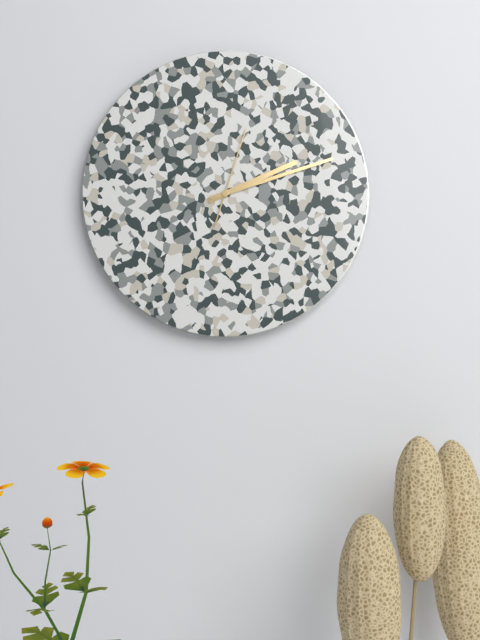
{"hour": 2, "minute": 12, "second": 3}
